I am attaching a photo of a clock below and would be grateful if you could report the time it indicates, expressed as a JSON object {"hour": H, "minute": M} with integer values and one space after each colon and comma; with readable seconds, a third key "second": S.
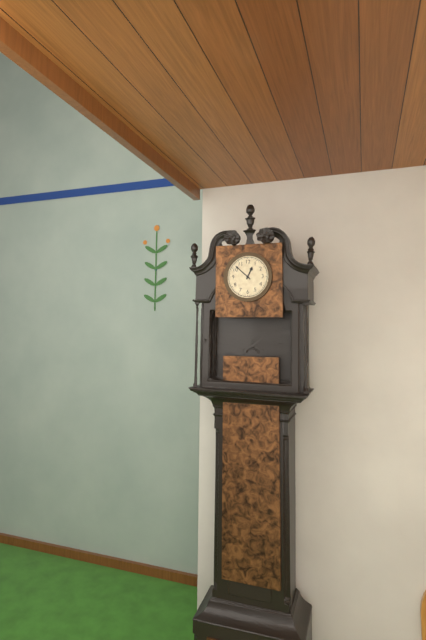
{"hour": 12, "minute": 52}
